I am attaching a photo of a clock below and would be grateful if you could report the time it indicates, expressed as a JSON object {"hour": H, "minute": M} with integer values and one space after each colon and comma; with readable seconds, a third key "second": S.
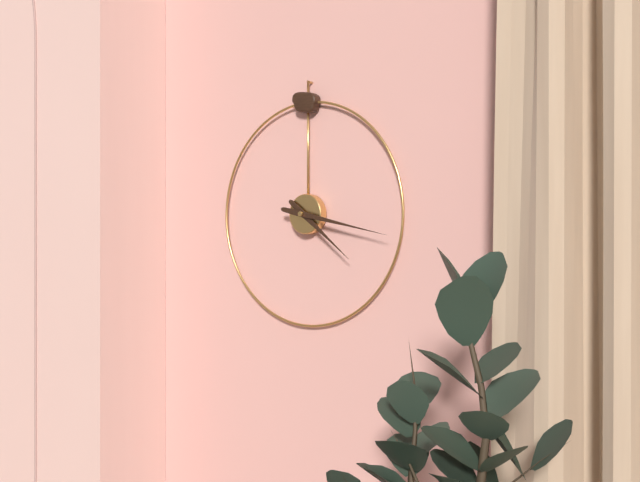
{"hour": 4, "minute": 17}
